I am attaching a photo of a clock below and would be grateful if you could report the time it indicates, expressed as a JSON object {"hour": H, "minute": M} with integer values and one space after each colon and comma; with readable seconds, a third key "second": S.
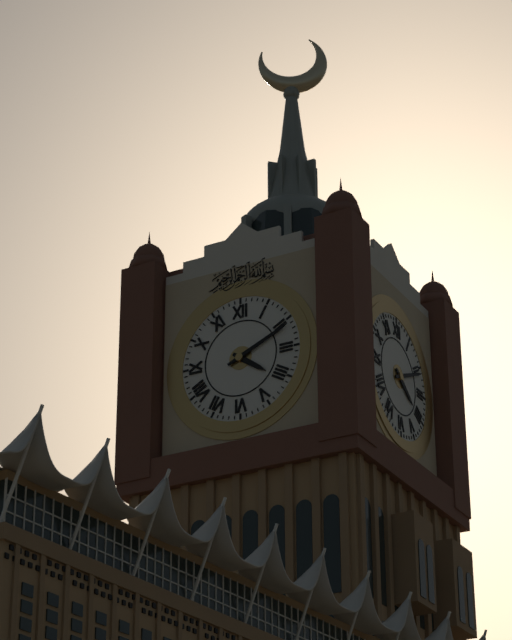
{"hour": 4, "minute": 11}
